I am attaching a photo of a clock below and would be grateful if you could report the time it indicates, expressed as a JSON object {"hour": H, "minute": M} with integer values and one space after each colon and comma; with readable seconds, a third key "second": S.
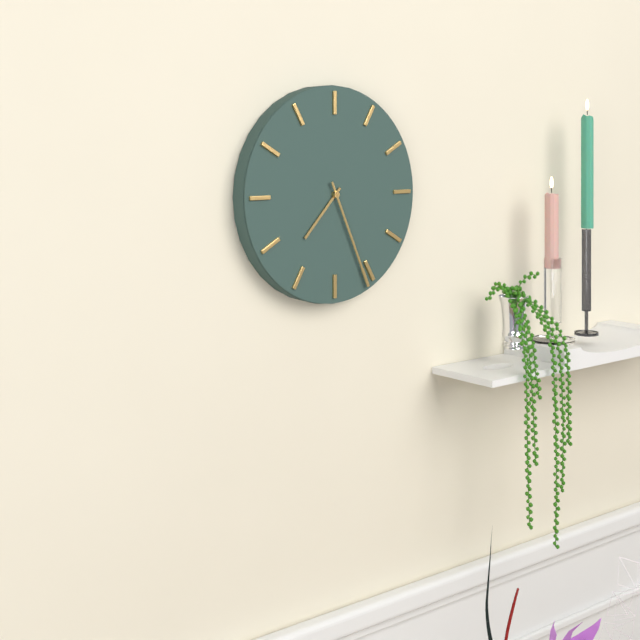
{"hour": 7, "minute": 26}
